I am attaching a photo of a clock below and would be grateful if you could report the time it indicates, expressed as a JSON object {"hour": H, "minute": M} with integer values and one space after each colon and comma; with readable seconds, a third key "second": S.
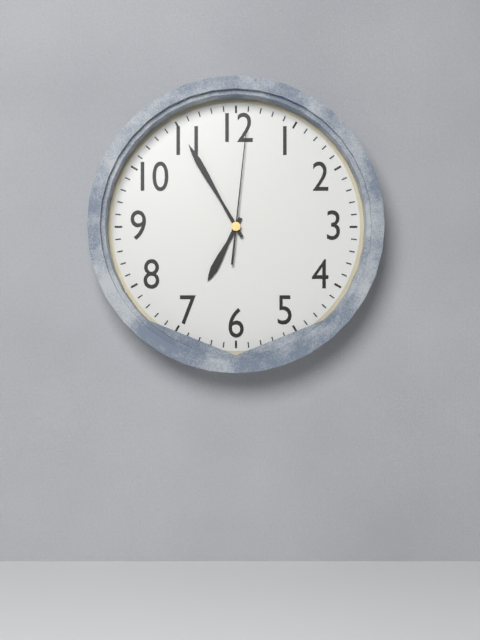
{"hour": 6, "minute": 55, "second": 1}
